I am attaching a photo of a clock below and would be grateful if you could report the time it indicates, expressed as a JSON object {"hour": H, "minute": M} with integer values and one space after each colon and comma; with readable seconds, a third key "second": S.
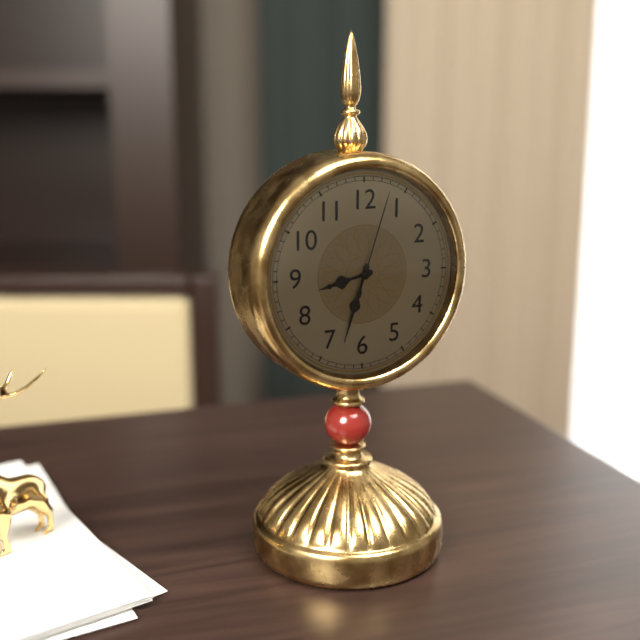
{"hour": 8, "minute": 33, "second": 3}
